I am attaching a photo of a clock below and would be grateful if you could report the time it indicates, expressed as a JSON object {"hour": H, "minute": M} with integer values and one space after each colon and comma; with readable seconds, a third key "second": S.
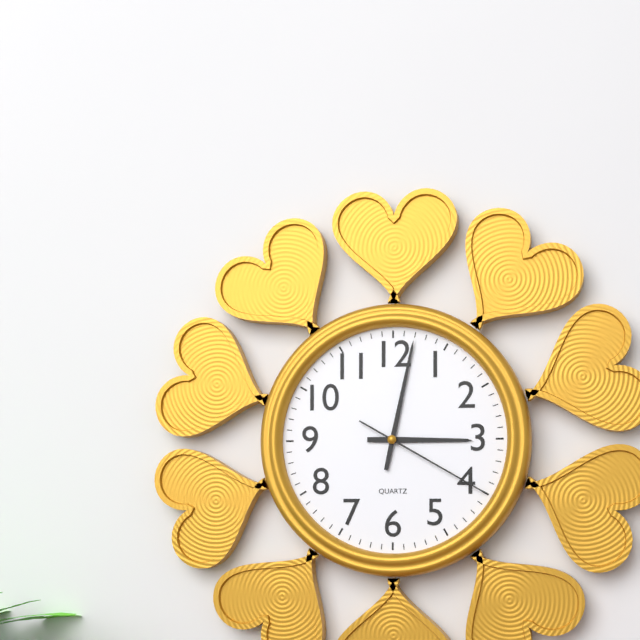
{"hour": 3, "minute": 2, "second": 20}
